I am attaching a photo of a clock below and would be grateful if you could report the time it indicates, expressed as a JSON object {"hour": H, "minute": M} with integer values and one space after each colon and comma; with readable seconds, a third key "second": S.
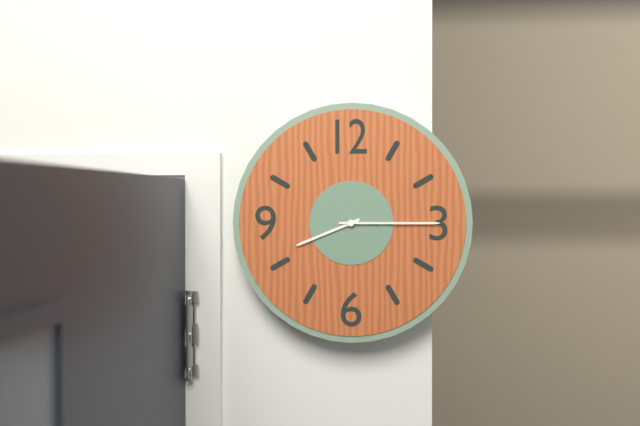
{"hour": 8, "minute": 15}
